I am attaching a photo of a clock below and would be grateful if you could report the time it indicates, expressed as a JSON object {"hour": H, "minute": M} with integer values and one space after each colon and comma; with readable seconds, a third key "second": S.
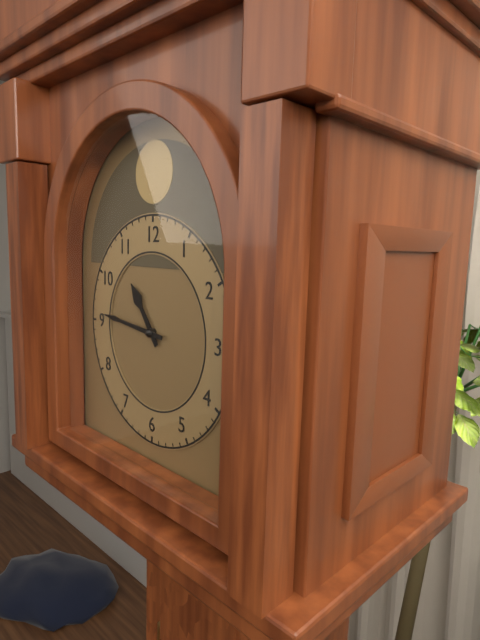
{"hour": 10, "minute": 46}
